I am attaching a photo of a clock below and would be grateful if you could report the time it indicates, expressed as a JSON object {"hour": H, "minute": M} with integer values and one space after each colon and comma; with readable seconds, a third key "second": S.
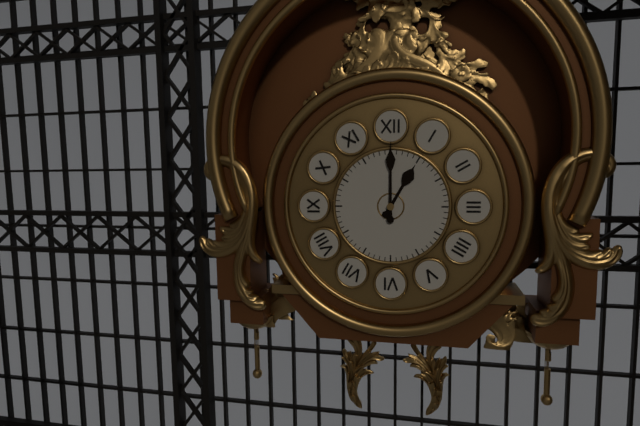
{"hour": 1, "minute": 0}
